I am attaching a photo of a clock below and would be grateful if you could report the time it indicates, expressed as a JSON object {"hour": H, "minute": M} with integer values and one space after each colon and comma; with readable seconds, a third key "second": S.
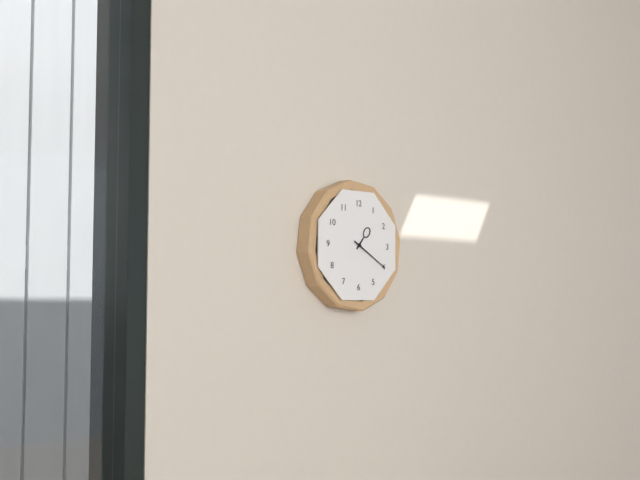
{"hour": 1, "minute": 20}
